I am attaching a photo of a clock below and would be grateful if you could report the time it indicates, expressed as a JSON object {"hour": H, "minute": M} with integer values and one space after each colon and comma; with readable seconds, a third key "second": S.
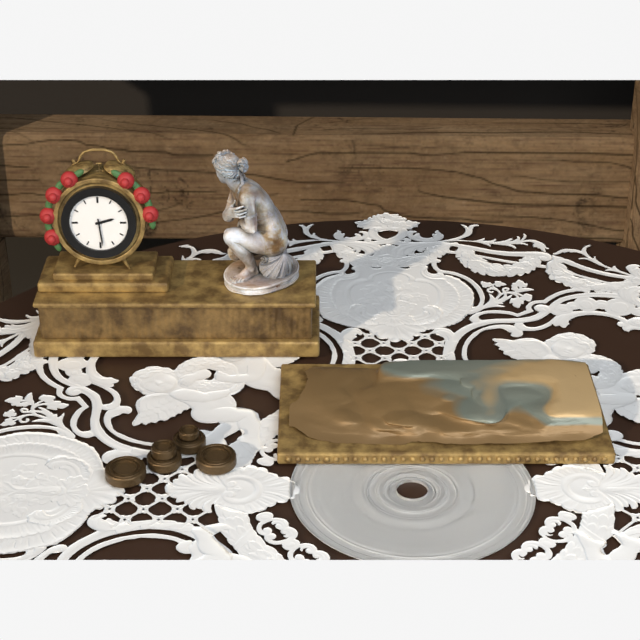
{"hour": 2, "minute": 29}
